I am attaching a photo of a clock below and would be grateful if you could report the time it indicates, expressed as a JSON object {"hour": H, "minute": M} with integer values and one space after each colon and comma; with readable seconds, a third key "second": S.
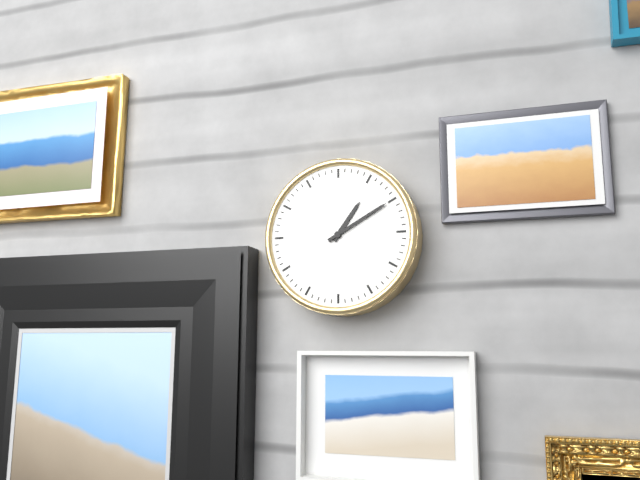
{"hour": 1, "minute": 10}
